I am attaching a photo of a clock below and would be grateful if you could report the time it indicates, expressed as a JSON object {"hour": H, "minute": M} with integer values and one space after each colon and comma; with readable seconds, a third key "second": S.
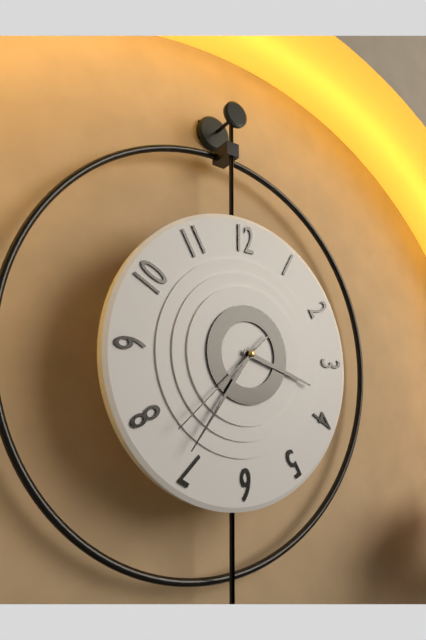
{"hour": 3, "minute": 36, "second": 38}
